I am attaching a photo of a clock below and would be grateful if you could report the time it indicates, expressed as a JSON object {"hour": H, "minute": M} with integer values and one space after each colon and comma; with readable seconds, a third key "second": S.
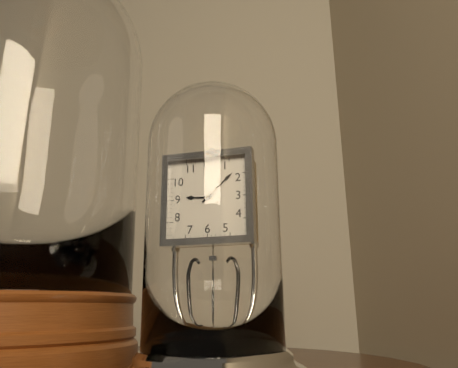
{"hour": 9, "minute": 8}
